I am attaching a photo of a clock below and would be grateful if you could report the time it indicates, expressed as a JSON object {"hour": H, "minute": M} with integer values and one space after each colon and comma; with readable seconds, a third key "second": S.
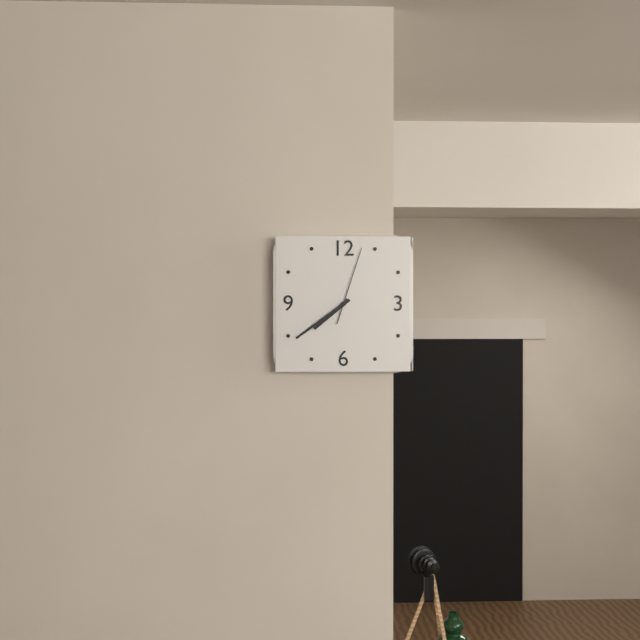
{"hour": 7, "minute": 39, "second": 3}
